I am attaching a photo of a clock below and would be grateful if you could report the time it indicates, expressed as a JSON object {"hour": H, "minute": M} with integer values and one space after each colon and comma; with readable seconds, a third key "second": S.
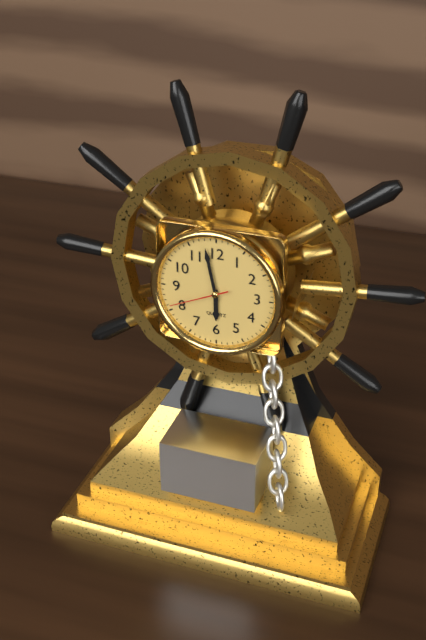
{"hour": 5, "minute": 58, "second": 41}
